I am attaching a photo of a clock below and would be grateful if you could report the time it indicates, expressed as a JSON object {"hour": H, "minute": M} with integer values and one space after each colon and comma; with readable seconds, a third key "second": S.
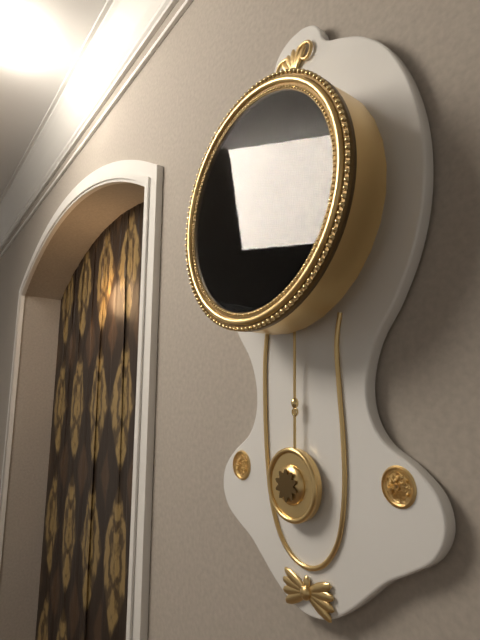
{"hour": 9, "minute": 32}
